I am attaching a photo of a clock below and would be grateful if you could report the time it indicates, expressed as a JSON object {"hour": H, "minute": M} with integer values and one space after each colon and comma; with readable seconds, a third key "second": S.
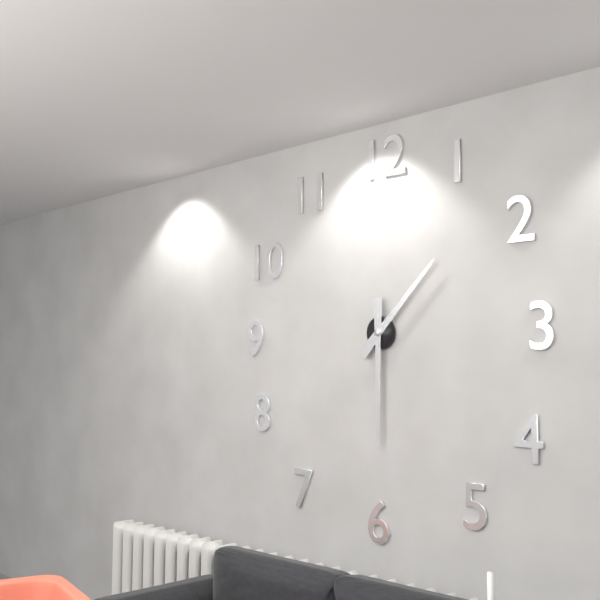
{"hour": 1, "minute": 30}
